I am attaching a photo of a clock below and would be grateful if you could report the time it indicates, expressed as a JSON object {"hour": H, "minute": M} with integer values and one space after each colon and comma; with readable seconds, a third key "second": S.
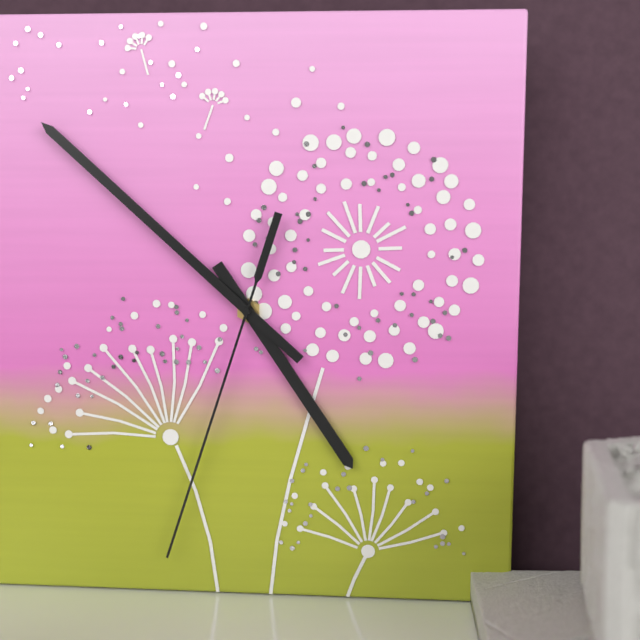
{"hour": 4, "minute": 52, "second": 33}
